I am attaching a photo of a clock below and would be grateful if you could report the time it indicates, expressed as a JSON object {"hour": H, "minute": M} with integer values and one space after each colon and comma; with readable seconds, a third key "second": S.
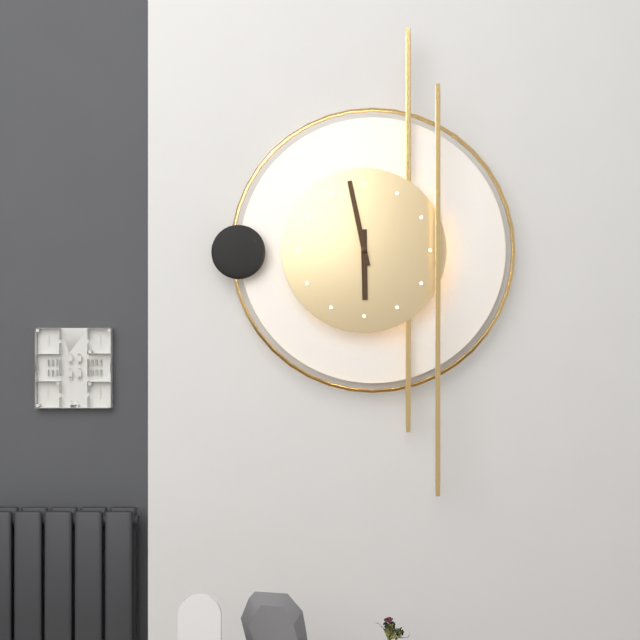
{"hour": 5, "minute": 58}
